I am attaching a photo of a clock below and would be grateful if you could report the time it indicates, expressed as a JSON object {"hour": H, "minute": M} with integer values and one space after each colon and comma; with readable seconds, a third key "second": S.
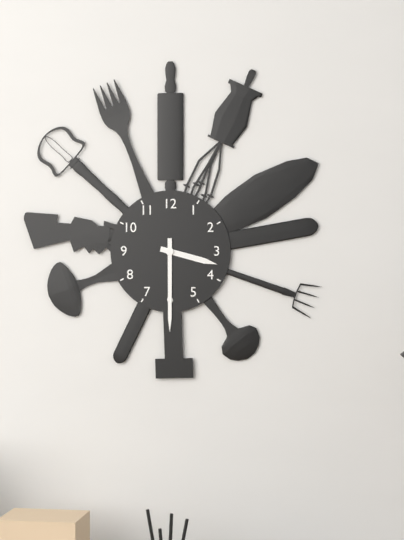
{"hour": 3, "minute": 30}
